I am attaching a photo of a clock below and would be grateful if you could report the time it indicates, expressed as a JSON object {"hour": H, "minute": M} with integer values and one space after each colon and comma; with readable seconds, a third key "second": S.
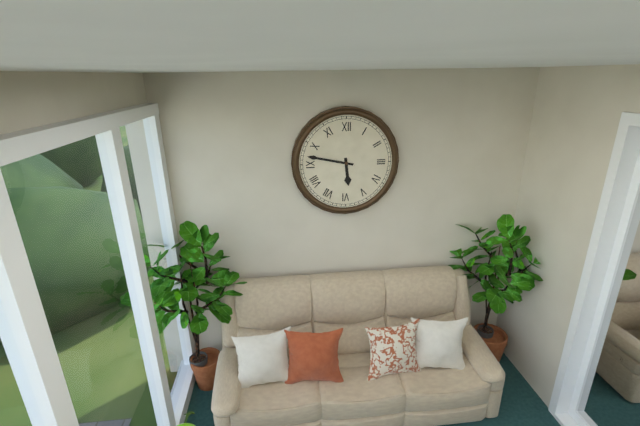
{"hour": 5, "minute": 47}
